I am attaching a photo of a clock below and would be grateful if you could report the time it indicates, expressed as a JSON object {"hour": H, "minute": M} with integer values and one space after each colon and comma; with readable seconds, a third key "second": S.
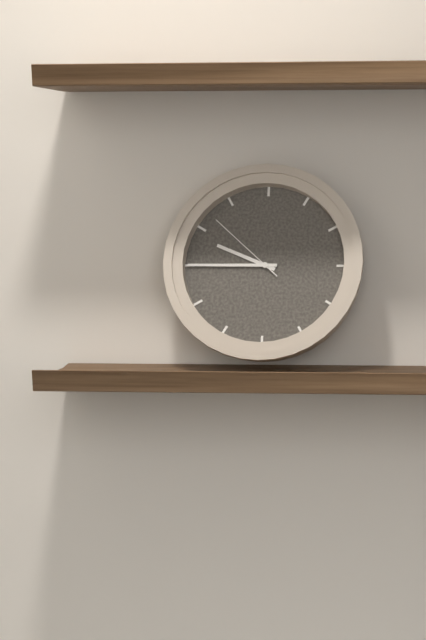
{"hour": 9, "minute": 45, "second": 52}
